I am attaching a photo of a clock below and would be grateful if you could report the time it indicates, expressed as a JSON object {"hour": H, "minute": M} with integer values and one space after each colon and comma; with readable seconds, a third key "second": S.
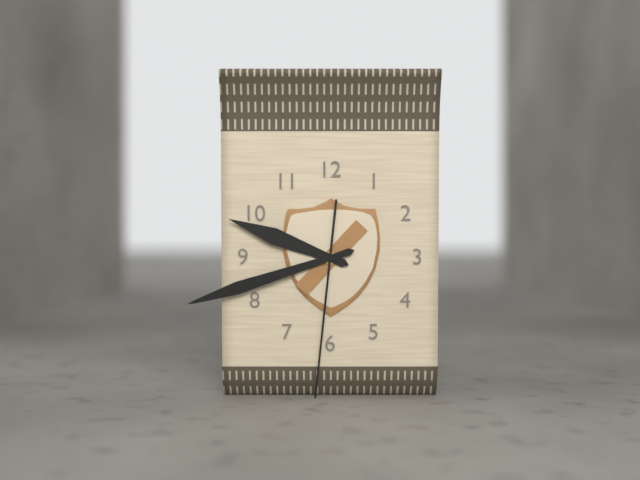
{"hour": 9, "minute": 42, "second": 31}
